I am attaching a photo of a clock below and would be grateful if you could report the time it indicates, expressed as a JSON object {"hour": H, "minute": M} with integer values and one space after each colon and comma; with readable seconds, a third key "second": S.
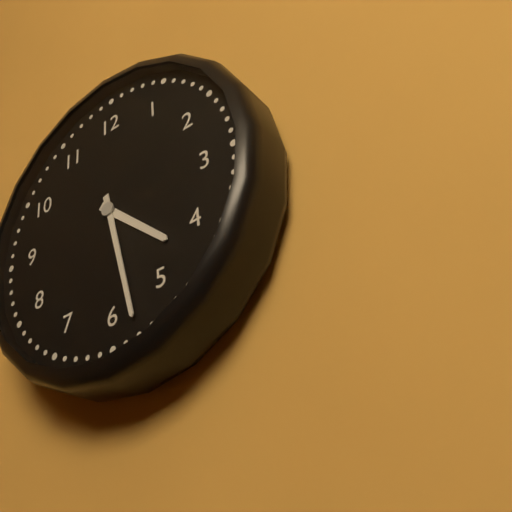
{"hour": 4, "minute": 28}
